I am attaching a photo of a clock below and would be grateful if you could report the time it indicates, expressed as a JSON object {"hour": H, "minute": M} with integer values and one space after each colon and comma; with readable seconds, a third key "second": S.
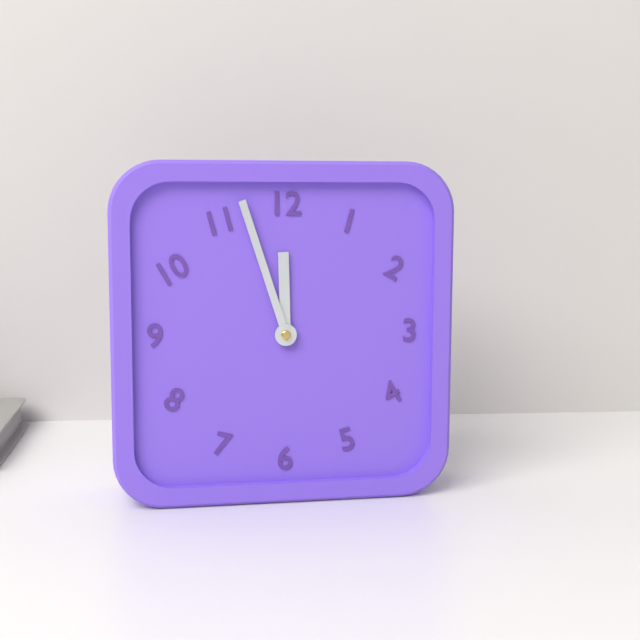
{"hour": 11, "minute": 57}
